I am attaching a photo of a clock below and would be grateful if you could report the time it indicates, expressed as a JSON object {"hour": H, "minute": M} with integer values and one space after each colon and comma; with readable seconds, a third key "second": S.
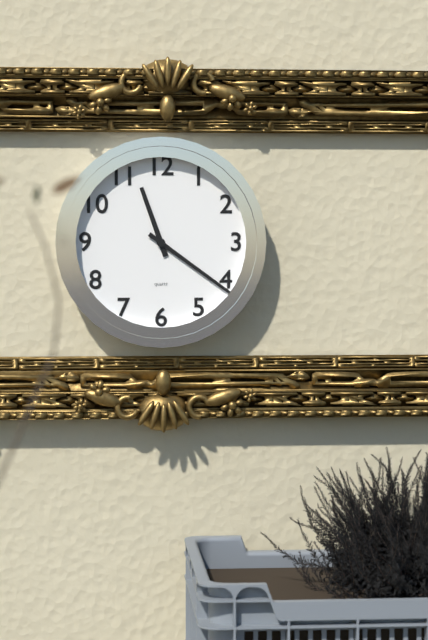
{"hour": 11, "minute": 21}
